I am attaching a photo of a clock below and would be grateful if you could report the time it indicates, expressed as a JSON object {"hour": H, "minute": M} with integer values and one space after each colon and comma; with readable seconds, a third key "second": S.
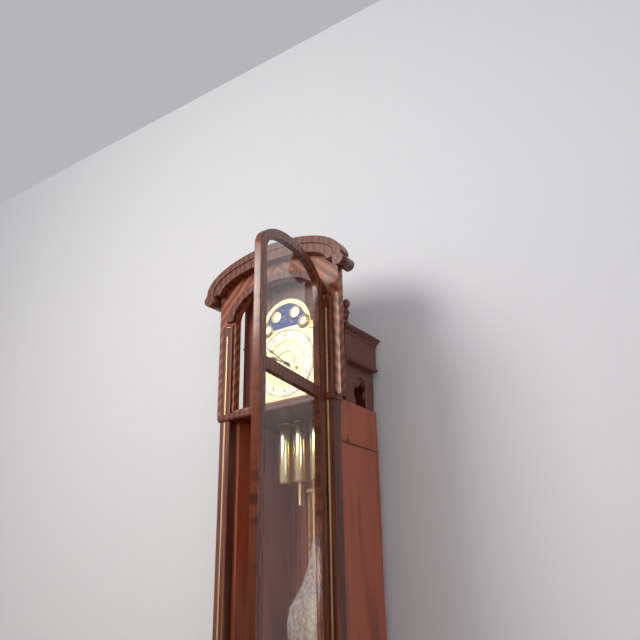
{"hour": 9, "minute": 52}
